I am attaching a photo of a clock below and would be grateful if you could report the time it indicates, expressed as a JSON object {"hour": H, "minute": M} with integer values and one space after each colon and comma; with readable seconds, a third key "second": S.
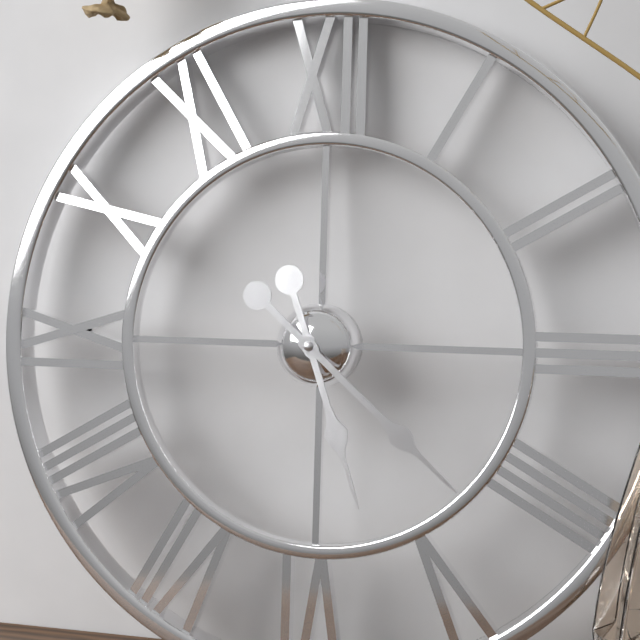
{"hour": 5, "minute": 22}
